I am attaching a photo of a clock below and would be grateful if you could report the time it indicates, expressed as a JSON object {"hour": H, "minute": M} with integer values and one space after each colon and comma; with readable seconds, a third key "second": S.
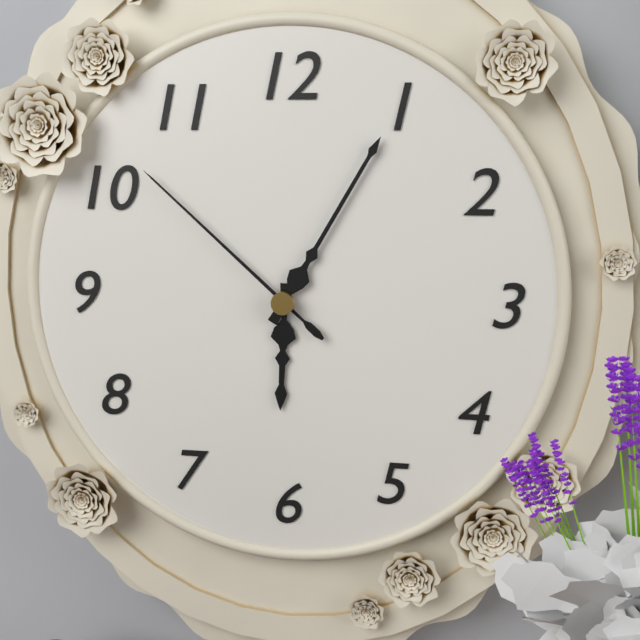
{"hour": 6, "minute": 5, "second": 52}
